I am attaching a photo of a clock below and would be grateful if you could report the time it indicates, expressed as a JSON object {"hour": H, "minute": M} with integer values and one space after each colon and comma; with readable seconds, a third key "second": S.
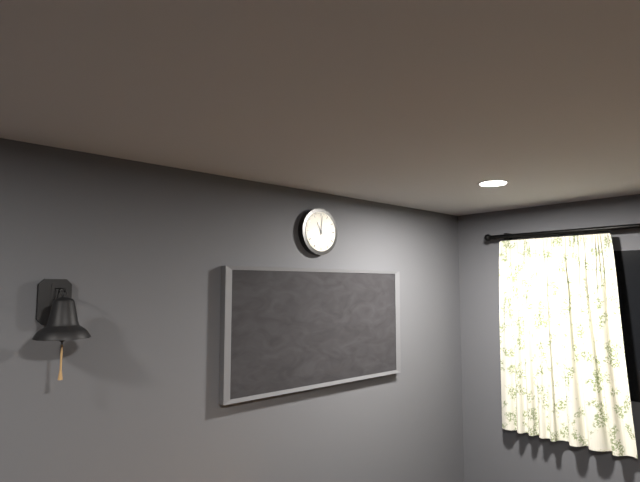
{"hour": 11, "minute": 1}
